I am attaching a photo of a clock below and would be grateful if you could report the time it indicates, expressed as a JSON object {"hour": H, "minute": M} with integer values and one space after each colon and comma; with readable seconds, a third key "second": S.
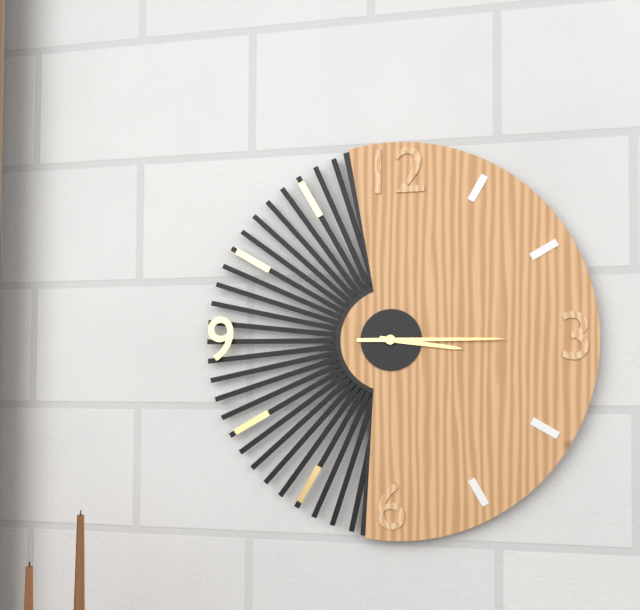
{"hour": 3, "minute": 15}
